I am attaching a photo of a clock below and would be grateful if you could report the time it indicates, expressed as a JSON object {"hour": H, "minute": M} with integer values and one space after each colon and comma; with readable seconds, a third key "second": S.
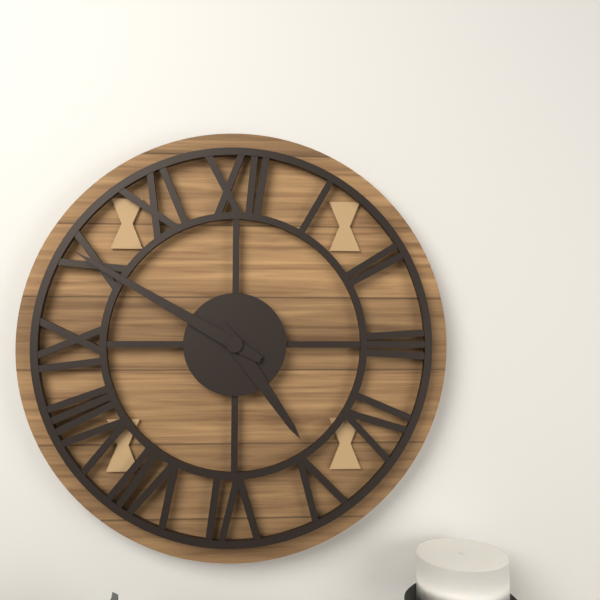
{"hour": 4, "minute": 50}
